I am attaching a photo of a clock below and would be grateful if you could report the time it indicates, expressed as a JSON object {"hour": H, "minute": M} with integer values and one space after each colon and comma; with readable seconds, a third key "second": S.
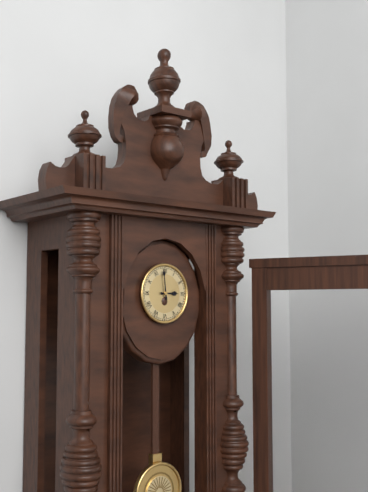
{"hour": 2, "minute": 59}
